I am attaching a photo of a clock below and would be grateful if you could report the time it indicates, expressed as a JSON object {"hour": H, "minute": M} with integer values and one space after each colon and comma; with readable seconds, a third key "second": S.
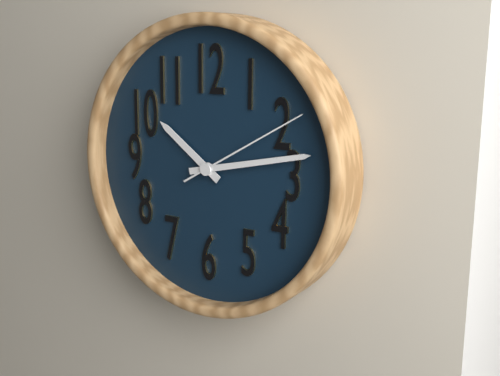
{"hour": 10, "minute": 13, "second": 10}
